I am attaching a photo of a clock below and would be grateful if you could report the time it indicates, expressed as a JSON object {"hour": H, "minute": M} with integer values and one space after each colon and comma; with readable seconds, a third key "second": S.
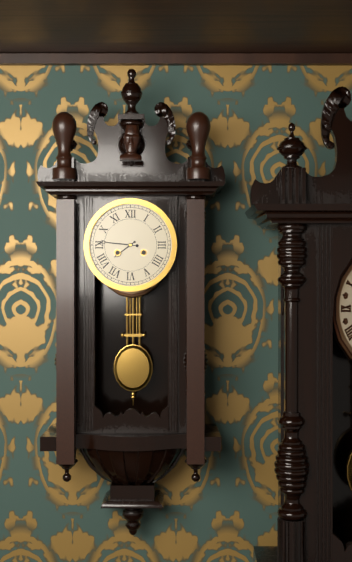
{"hour": 7, "minute": 46}
